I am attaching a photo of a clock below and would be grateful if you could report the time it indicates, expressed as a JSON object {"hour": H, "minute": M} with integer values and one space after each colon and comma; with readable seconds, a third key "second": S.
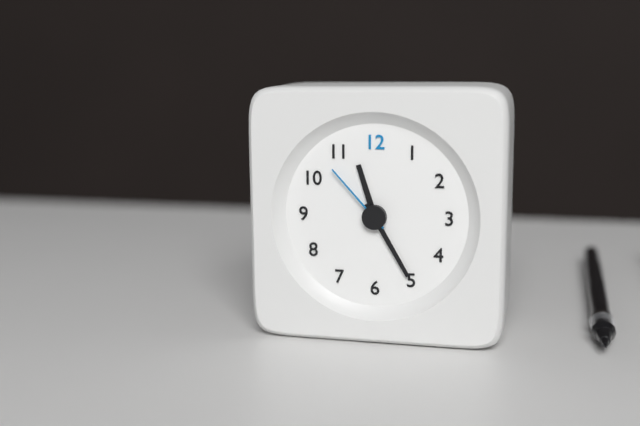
{"hour": 11, "minute": 25, "second": 53}
